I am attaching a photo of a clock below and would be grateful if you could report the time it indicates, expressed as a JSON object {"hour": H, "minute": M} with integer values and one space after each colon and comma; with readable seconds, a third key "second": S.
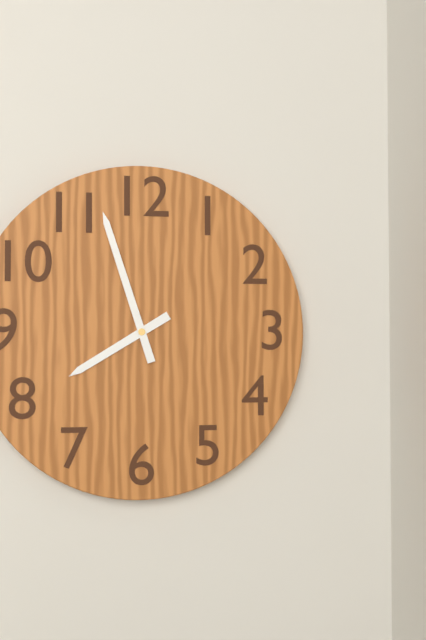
{"hour": 7, "minute": 57}
